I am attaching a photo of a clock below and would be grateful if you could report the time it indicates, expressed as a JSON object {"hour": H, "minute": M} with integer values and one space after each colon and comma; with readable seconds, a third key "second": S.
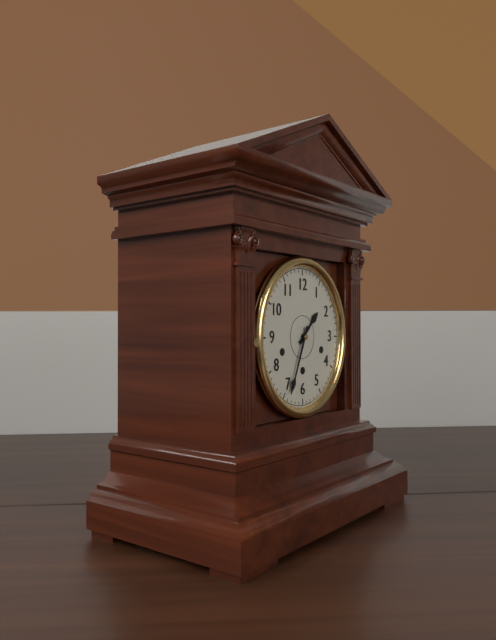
{"hour": 1, "minute": 34}
